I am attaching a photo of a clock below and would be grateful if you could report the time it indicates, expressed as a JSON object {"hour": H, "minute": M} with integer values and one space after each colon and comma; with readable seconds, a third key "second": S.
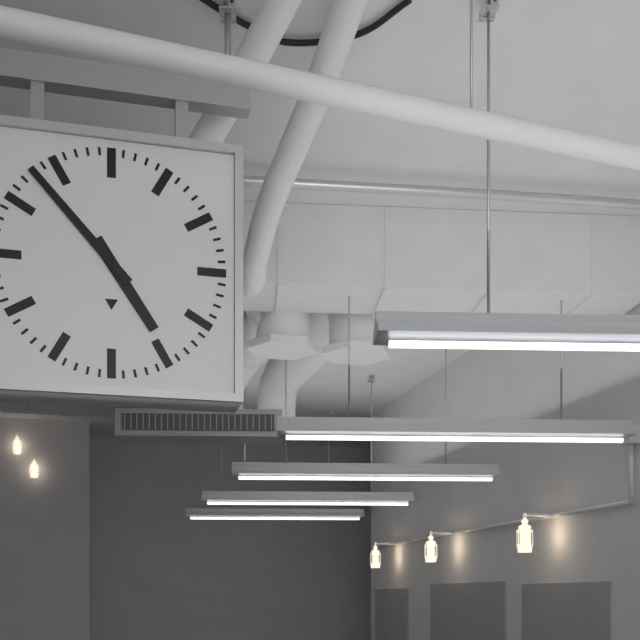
{"hour": 4, "minute": 53}
